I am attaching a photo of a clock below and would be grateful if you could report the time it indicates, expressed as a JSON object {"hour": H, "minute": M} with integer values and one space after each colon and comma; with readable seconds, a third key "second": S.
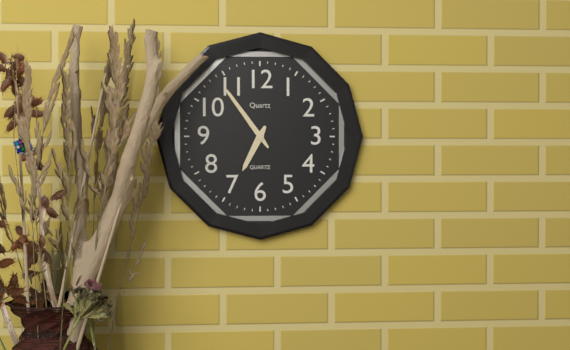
{"hour": 6, "minute": 54}
